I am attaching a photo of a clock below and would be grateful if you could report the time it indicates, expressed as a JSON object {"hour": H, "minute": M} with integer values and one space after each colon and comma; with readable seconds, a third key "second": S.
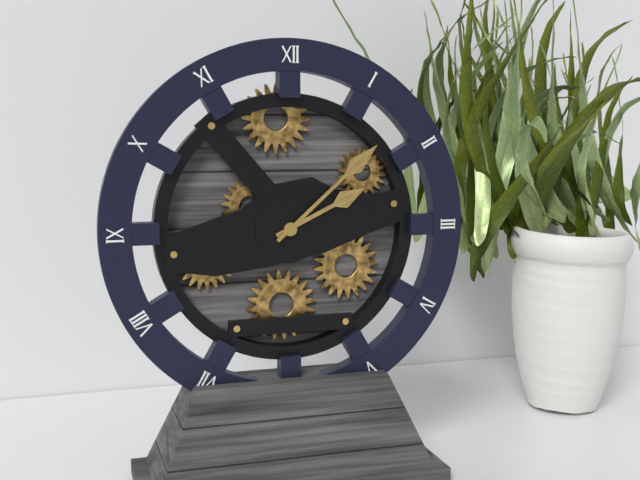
{"hour": 2, "minute": 8}
